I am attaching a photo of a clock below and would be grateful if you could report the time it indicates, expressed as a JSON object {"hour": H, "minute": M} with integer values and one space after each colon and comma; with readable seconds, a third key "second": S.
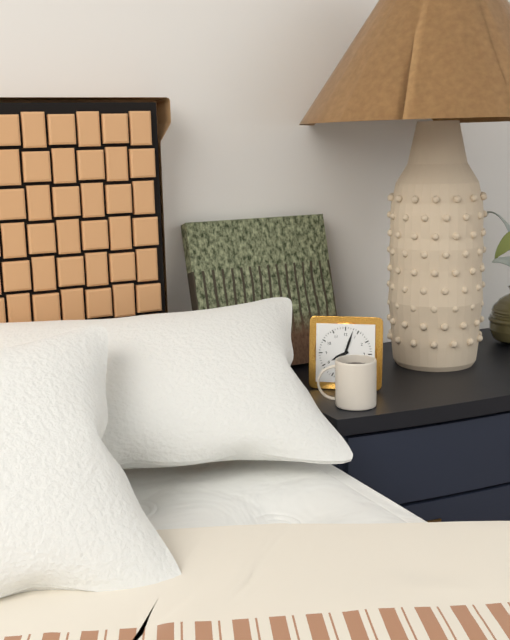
{"hour": 8, "minute": 3}
